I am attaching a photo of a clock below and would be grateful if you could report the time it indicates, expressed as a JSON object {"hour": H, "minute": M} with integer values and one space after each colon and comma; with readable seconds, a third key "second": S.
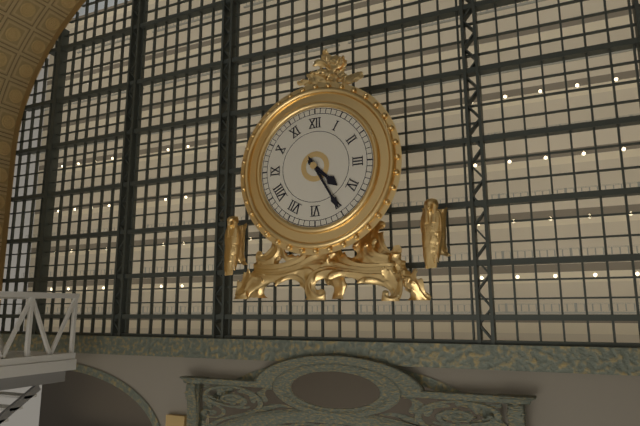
{"hour": 4, "minute": 25}
